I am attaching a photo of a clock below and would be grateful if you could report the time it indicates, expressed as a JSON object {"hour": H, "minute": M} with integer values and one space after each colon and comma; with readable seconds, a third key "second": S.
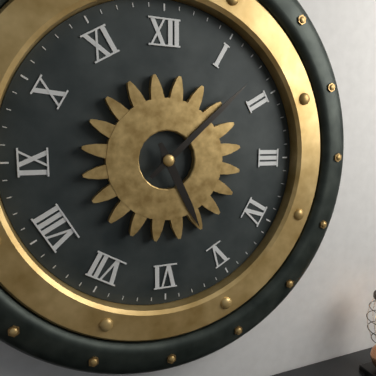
{"hour": 5, "minute": 8}
